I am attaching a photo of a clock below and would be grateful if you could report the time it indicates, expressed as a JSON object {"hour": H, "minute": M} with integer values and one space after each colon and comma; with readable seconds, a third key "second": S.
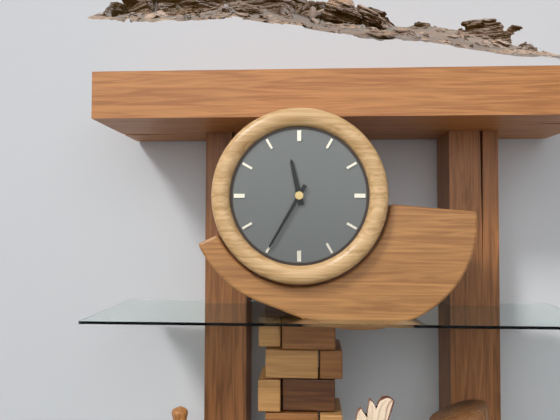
{"hour": 11, "minute": 35}
